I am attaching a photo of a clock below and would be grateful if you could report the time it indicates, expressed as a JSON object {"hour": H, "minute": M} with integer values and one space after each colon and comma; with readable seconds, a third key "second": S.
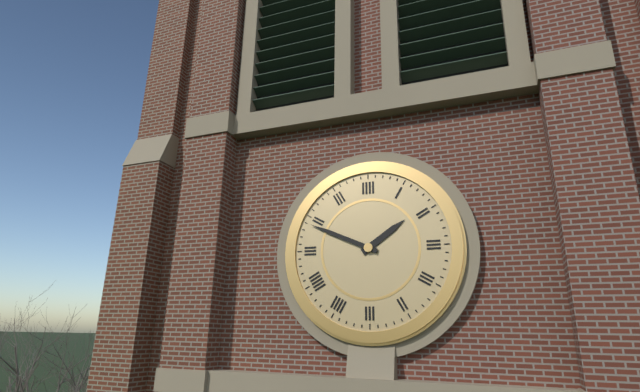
{"hour": 1, "minute": 49}
